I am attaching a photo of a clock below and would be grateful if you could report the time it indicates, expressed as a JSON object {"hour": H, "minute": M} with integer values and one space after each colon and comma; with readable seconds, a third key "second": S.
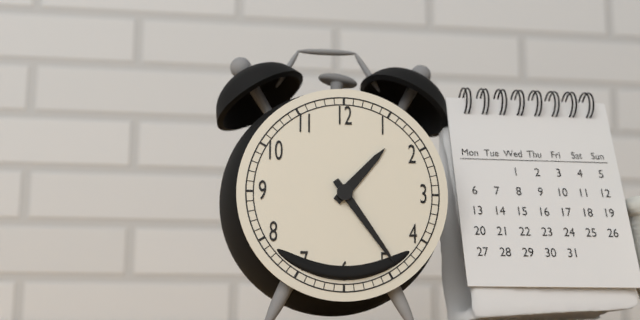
{"hour": 1, "minute": 24}
